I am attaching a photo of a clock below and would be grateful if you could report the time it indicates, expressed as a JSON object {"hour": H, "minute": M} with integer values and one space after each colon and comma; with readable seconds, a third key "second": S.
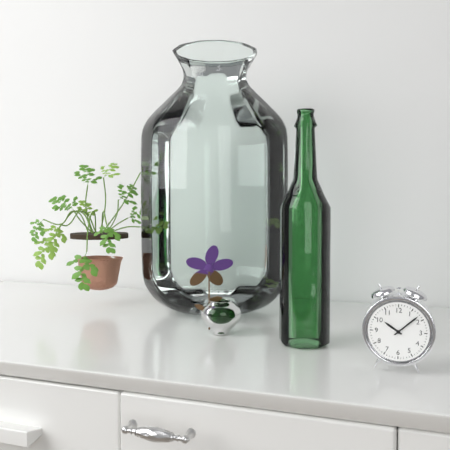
{"hour": 10, "minute": 8}
